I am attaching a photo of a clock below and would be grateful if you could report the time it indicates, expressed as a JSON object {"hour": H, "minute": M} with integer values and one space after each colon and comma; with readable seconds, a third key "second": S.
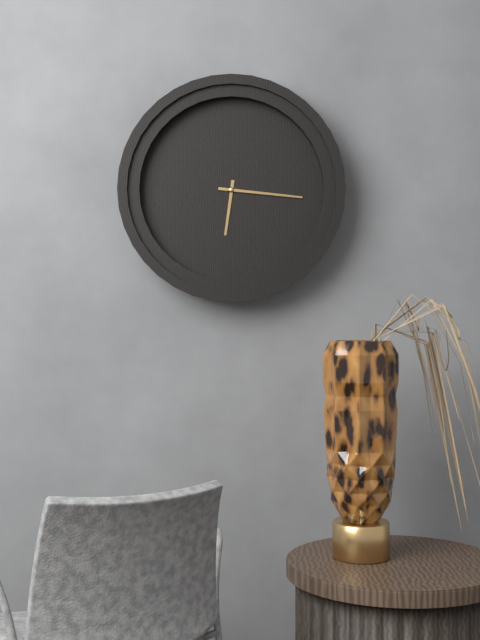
{"hour": 6, "minute": 16}
